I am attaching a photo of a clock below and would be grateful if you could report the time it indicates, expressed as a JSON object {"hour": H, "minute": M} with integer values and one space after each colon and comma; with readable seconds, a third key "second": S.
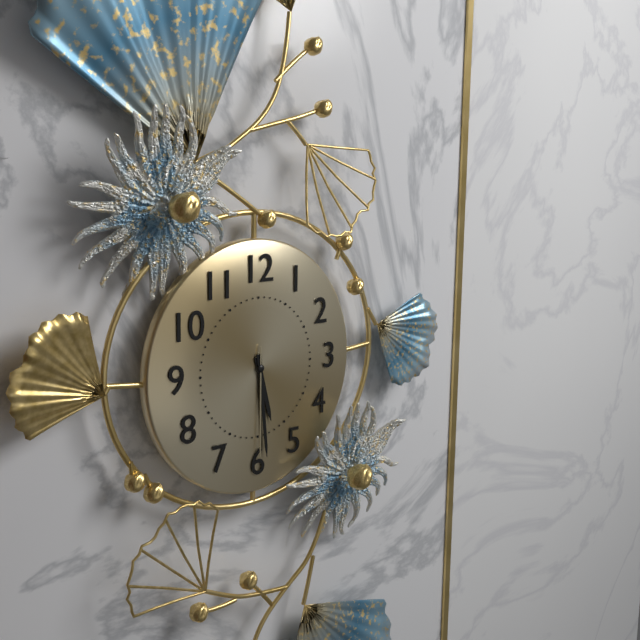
{"hour": 5, "minute": 29, "second": 30}
